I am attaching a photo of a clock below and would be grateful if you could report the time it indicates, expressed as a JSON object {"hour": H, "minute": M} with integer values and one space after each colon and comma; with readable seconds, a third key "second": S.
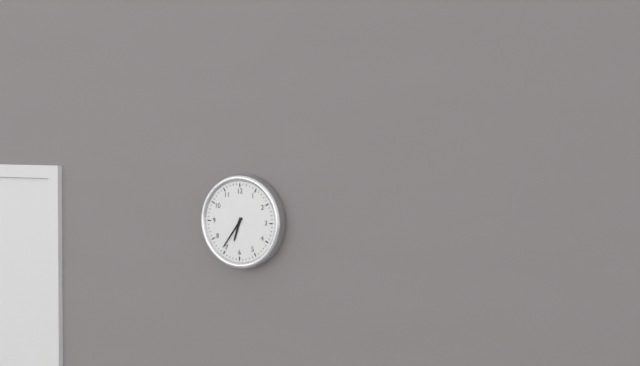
{"hour": 6, "minute": 36}
